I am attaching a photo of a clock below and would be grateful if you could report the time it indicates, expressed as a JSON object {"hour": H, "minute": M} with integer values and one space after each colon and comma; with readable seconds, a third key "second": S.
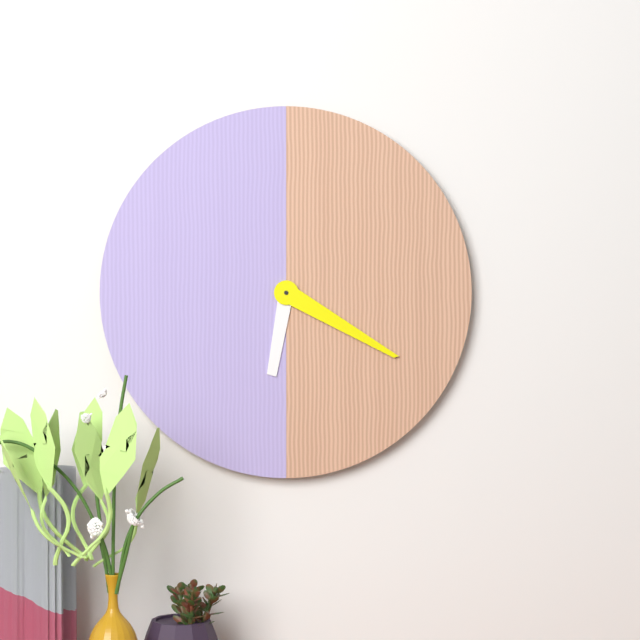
{"hour": 6, "minute": 20}
